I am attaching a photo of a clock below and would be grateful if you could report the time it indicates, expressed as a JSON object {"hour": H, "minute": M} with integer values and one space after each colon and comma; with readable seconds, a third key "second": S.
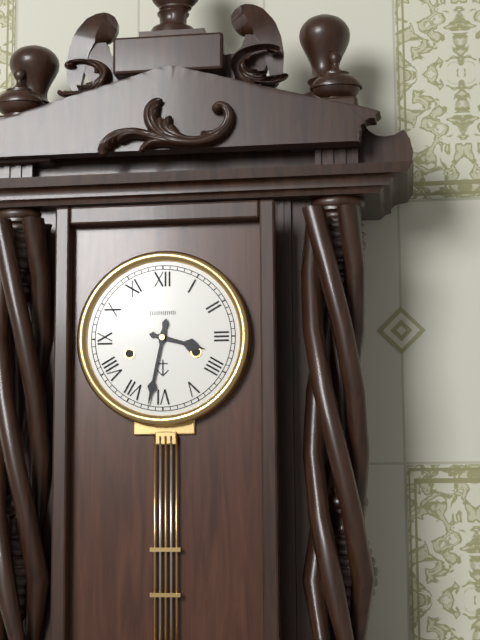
{"hour": 3, "minute": 32}
